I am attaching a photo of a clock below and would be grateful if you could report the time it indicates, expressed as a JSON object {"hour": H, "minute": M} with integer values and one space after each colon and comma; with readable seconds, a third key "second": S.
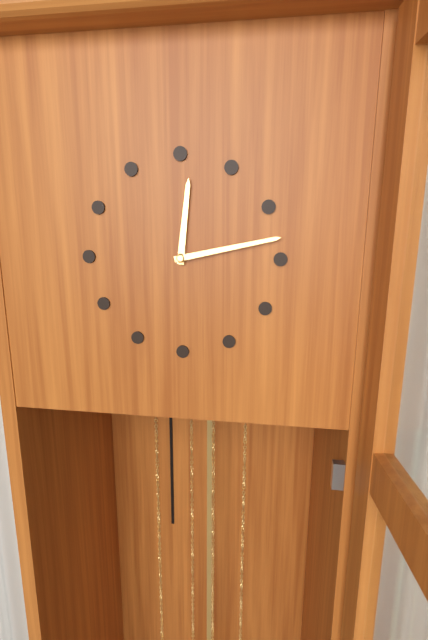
{"hour": 12, "minute": 13}
